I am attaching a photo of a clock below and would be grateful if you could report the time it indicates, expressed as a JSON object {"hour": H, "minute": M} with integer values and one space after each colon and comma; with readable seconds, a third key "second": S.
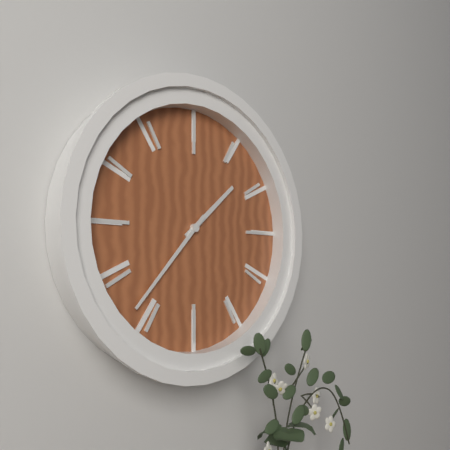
{"hour": 1, "minute": 37}
